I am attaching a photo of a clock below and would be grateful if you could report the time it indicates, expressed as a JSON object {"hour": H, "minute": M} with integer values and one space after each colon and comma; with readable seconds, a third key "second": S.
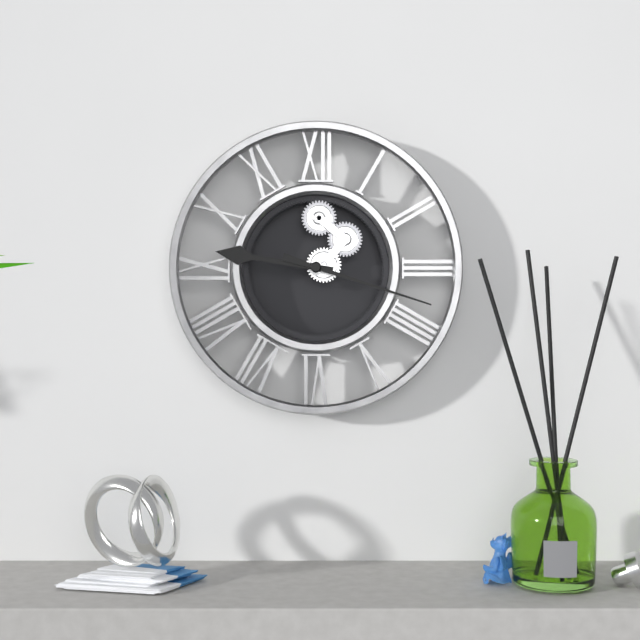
{"hour": 9, "minute": 18}
